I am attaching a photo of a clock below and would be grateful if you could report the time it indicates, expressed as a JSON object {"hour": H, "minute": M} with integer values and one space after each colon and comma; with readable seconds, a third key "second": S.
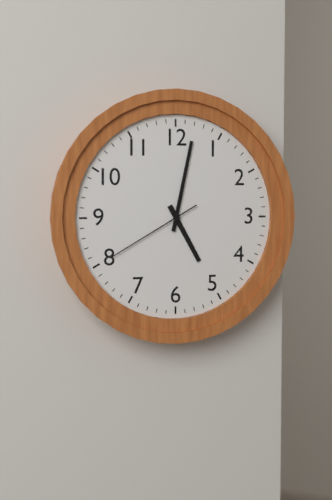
{"hour": 5, "minute": 2, "second": 40}
